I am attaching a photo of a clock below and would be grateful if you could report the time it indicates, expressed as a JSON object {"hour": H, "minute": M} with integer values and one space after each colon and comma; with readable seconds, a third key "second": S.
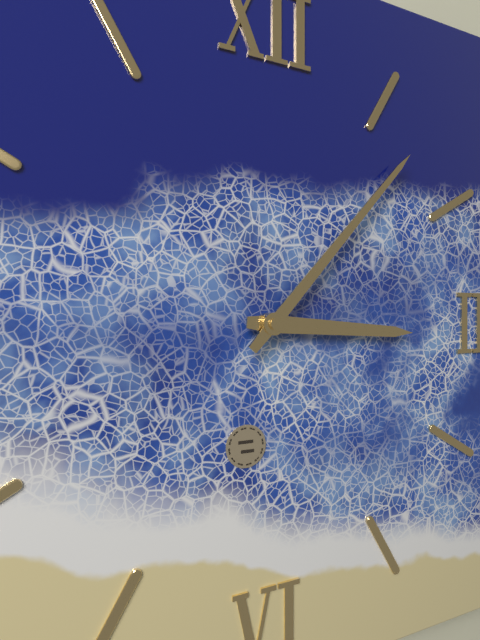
{"hour": 3, "minute": 7}
